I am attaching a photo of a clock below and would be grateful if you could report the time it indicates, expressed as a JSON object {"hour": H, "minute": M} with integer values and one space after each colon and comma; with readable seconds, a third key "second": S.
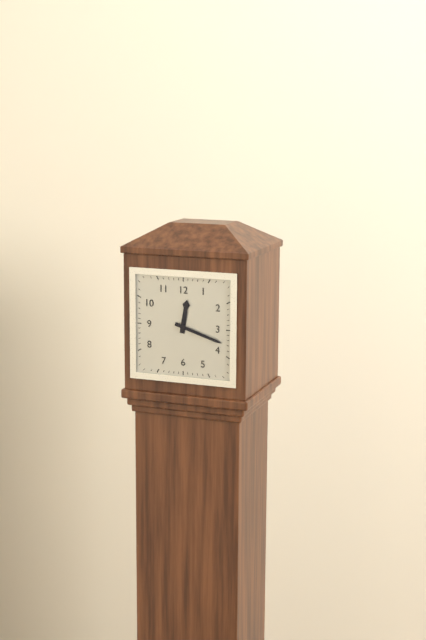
{"hour": 12, "minute": 18}
